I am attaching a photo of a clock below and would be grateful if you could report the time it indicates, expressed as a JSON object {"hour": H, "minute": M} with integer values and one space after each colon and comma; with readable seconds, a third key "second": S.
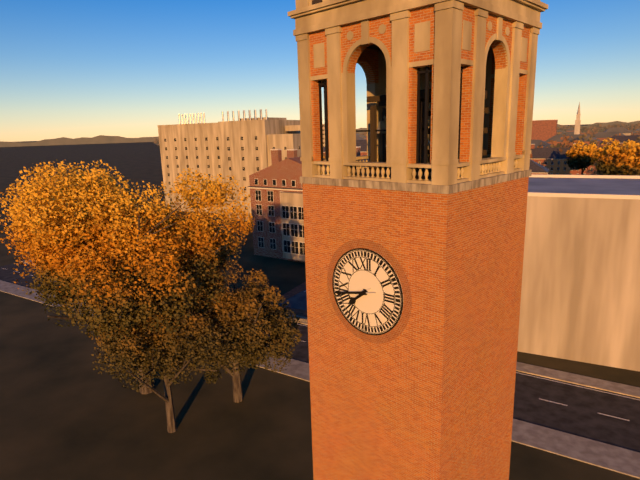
{"hour": 7, "minute": 43}
